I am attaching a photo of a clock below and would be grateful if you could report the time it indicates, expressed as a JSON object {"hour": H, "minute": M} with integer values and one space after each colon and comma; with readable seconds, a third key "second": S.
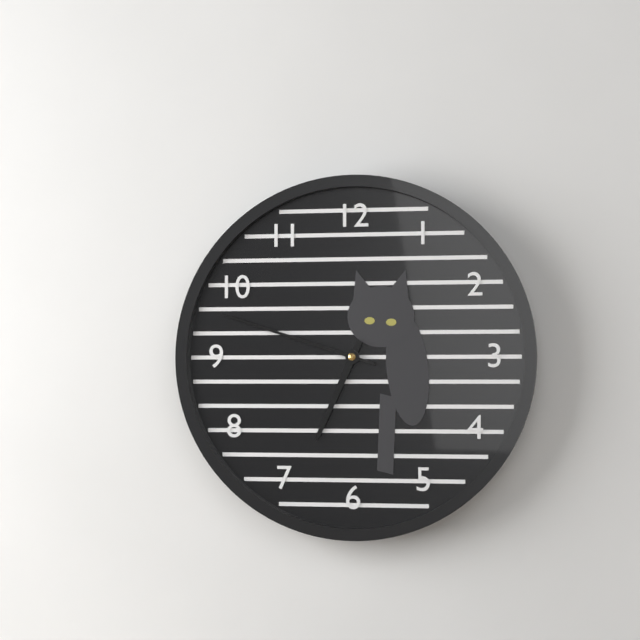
{"hour": 6, "minute": 48}
